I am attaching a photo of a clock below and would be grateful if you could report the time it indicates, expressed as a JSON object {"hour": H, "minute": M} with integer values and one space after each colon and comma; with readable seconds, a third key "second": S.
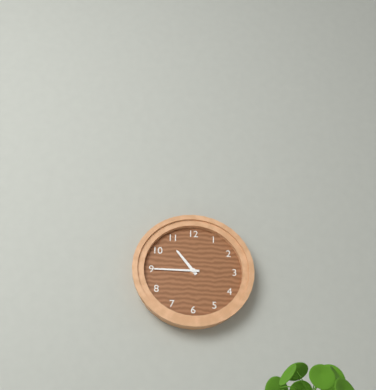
{"hour": 10, "minute": 45}
